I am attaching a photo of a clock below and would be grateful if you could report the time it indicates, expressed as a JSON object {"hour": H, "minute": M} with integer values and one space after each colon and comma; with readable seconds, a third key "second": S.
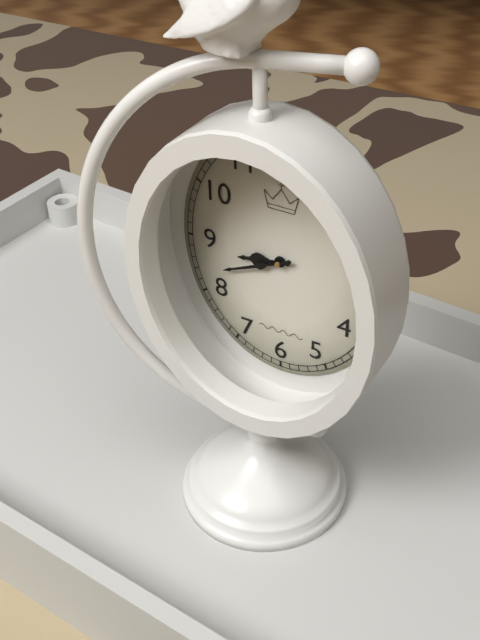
{"hour": 8, "minute": 41}
